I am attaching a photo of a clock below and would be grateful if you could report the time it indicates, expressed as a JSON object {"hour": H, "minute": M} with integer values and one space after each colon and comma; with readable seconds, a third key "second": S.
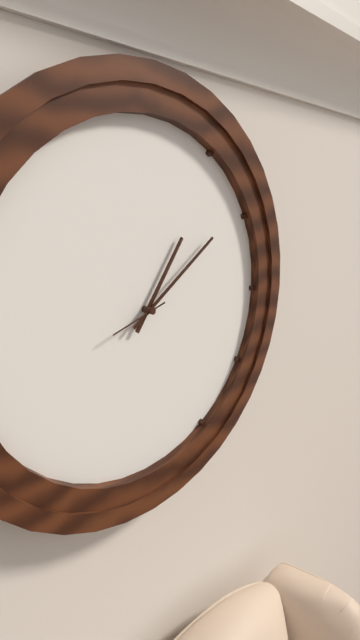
{"hour": 1, "minute": 9, "second": 42}
